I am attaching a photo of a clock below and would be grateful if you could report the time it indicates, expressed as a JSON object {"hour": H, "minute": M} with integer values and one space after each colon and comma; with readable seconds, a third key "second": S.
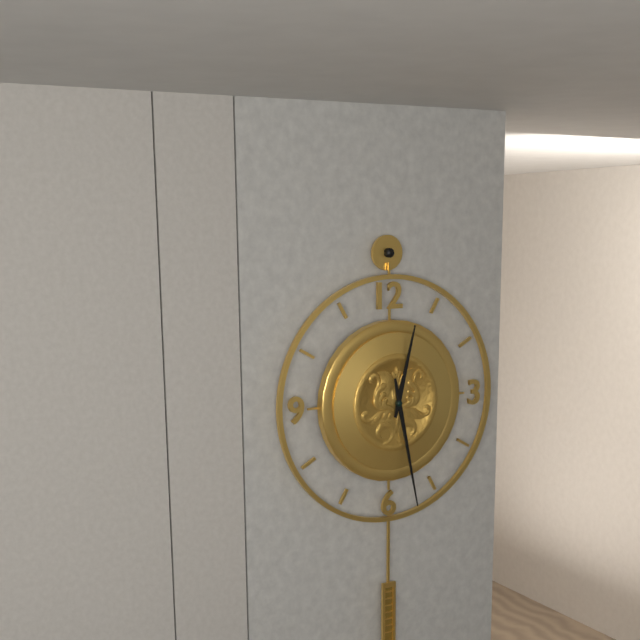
{"hour": 12, "minute": 28}
